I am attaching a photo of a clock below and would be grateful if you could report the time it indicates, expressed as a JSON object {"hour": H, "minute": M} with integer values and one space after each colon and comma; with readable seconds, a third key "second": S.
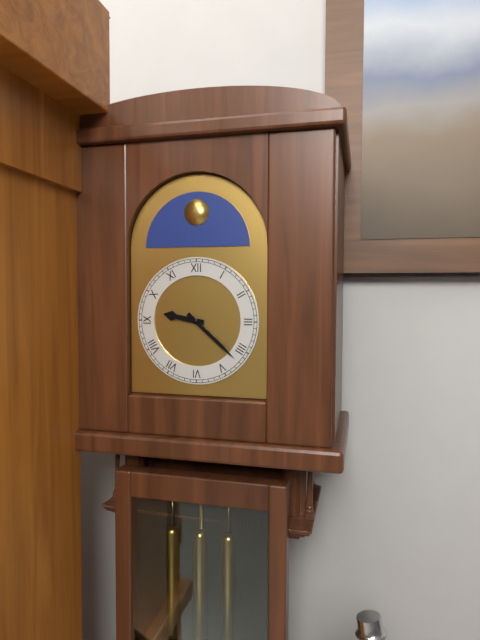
{"hour": 9, "minute": 22}
